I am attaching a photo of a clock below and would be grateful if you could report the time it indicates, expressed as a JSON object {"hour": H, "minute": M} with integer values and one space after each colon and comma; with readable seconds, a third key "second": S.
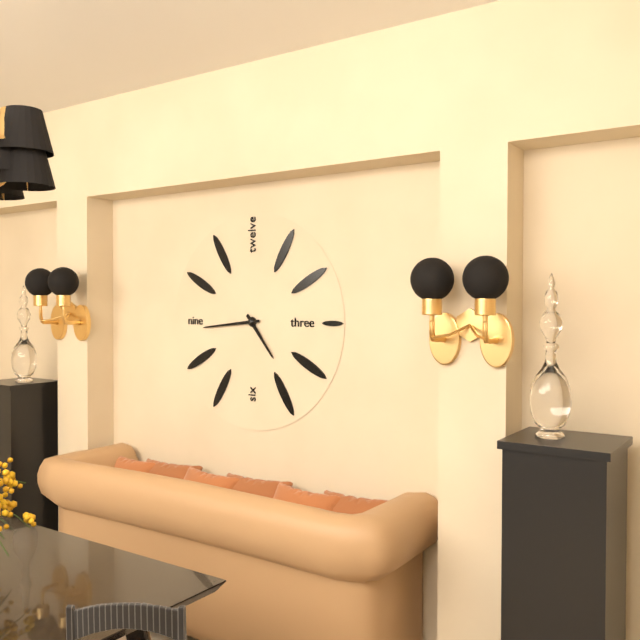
{"hour": 4, "minute": 44}
